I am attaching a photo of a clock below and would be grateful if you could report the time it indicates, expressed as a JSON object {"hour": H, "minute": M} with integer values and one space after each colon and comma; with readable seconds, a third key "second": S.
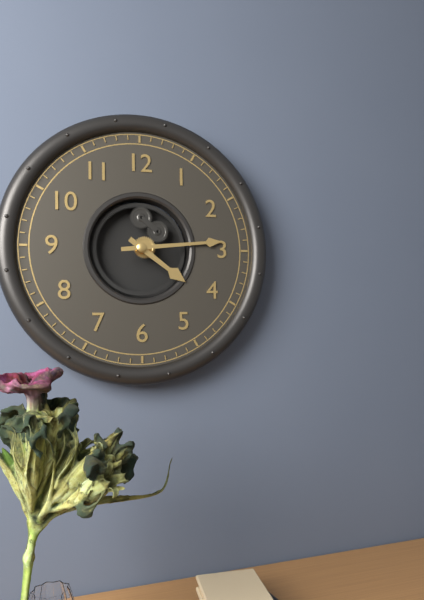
{"hour": 4, "minute": 14}
